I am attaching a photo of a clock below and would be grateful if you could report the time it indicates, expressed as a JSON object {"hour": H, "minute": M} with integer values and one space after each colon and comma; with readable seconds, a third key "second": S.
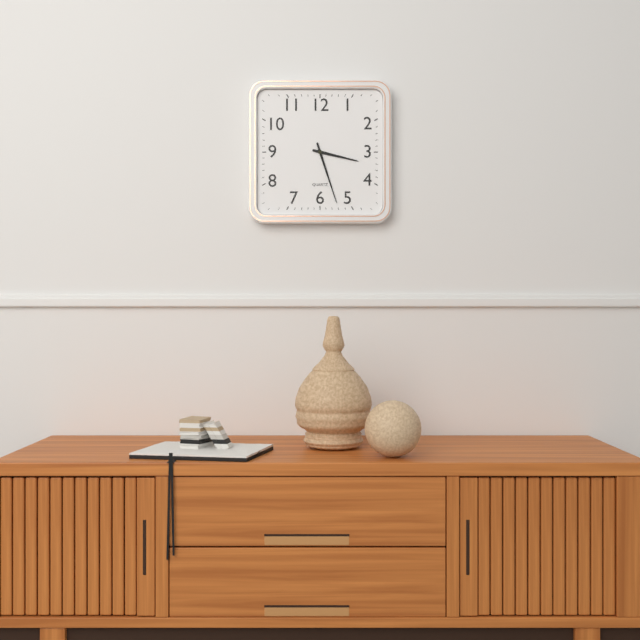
{"hour": 3, "minute": 27}
